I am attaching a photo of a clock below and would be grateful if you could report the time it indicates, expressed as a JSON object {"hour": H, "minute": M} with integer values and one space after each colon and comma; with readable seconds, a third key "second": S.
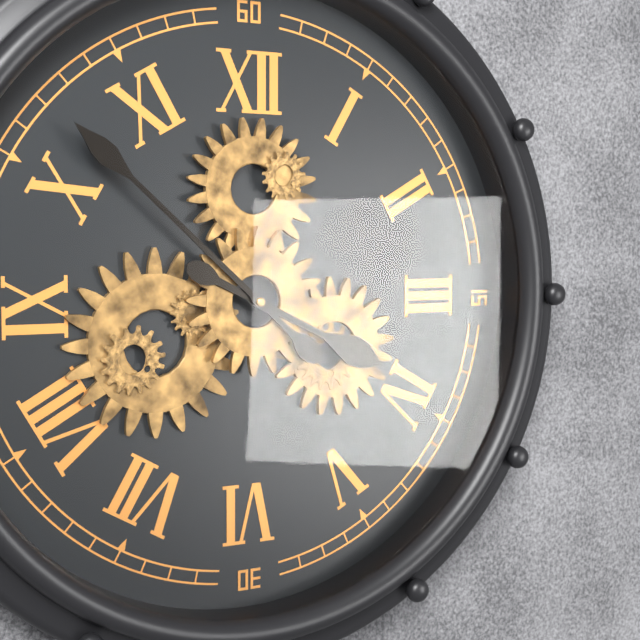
{"hour": 3, "minute": 52}
